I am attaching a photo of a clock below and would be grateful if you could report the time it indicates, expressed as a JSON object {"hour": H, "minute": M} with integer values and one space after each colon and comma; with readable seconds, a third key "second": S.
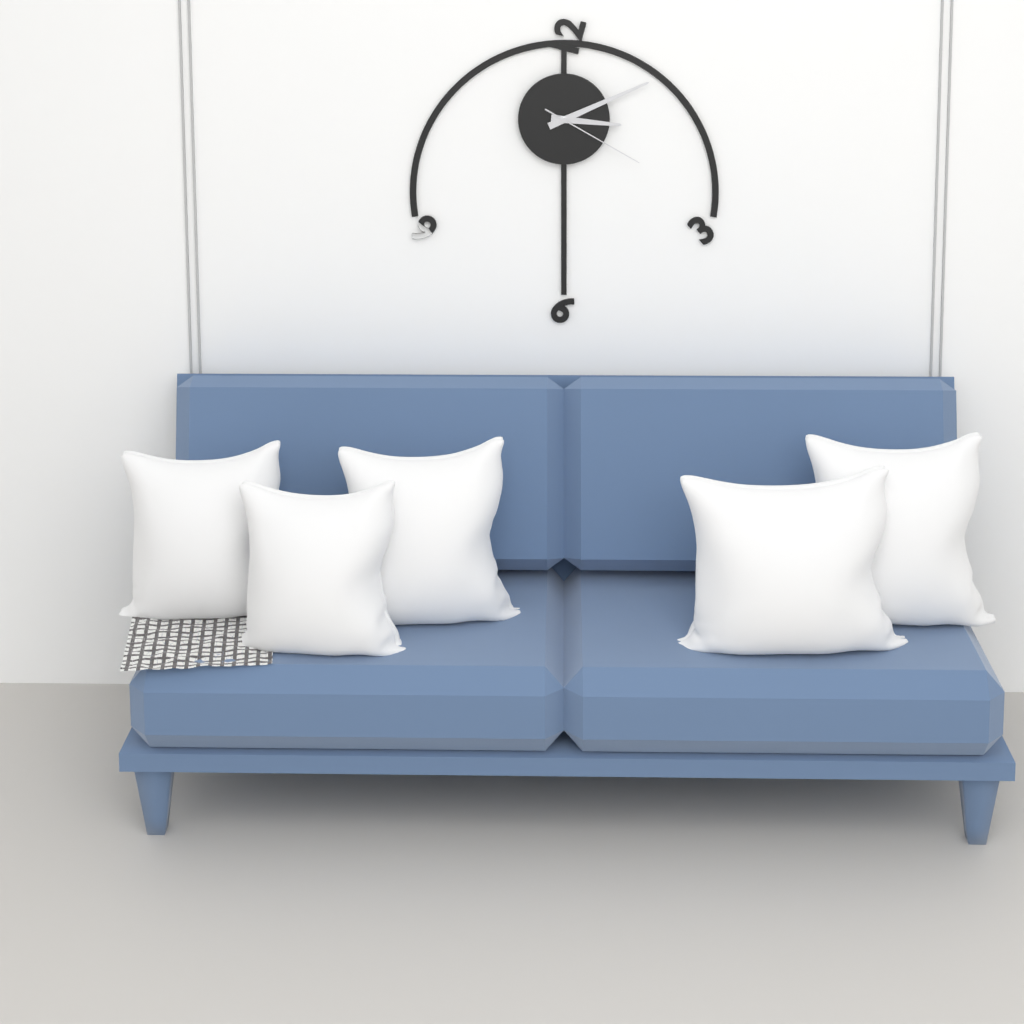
{"hour": 3, "minute": 11, "second": 20}
